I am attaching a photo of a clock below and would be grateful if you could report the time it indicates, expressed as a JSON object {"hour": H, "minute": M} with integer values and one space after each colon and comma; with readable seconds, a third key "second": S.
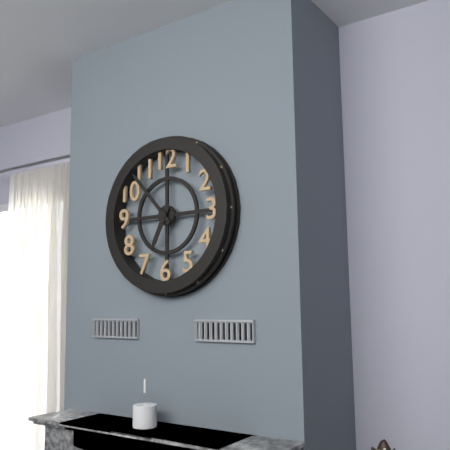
{"hour": 6, "minute": 53}
